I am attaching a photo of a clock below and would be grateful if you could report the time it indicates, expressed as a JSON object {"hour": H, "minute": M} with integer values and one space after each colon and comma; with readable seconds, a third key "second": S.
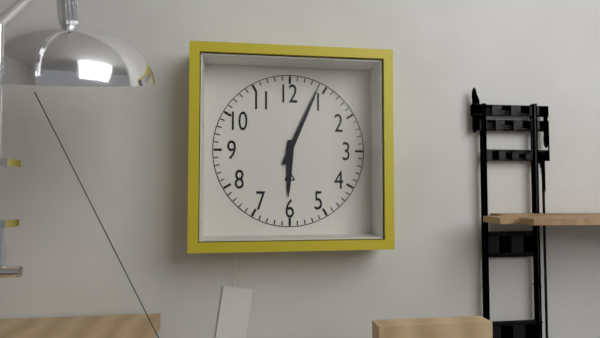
{"hour": 6, "minute": 4}
